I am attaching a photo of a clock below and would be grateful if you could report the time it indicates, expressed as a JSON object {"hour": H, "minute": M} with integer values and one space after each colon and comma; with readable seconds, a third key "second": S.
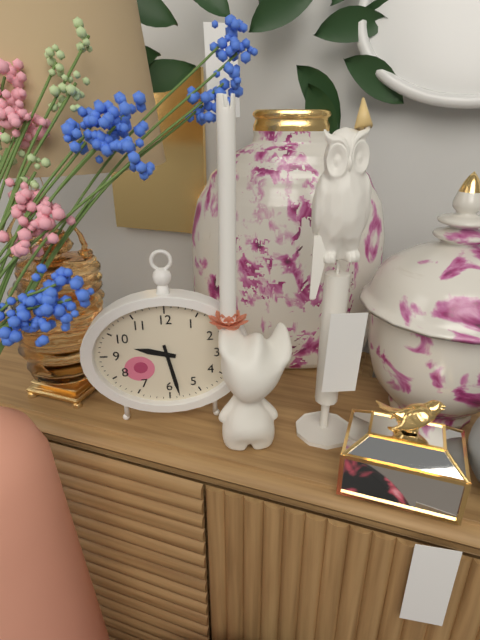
{"hour": 9, "minute": 28}
